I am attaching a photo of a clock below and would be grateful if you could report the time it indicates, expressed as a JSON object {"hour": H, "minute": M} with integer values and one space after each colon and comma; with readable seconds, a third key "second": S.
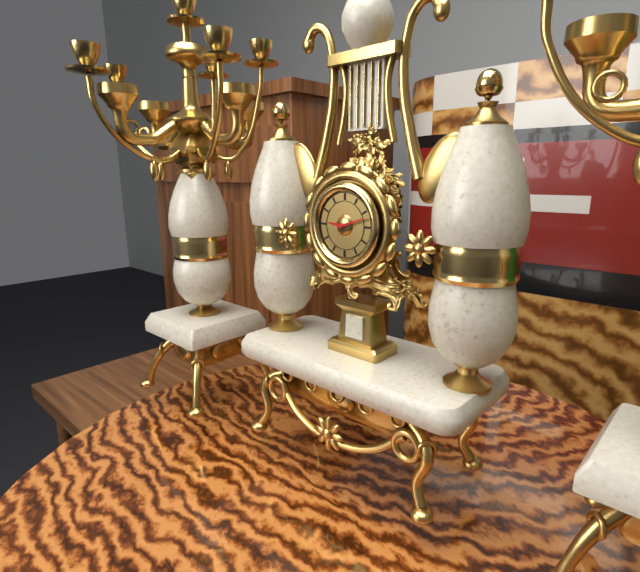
{"hour": 9, "minute": 12}
